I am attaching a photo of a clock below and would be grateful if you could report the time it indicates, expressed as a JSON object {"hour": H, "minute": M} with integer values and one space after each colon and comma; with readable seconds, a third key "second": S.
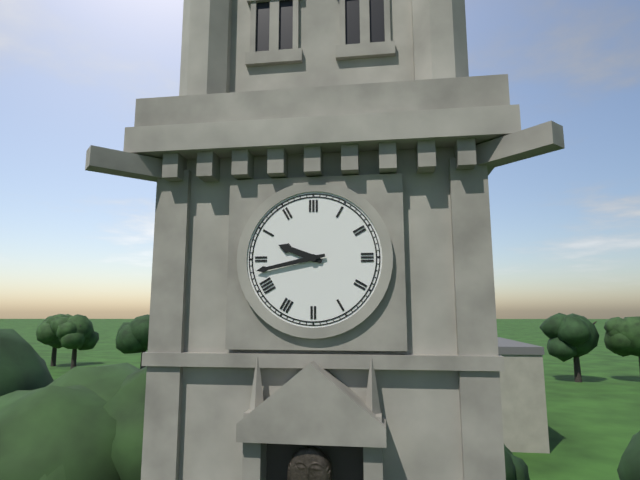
{"hour": 9, "minute": 43}
